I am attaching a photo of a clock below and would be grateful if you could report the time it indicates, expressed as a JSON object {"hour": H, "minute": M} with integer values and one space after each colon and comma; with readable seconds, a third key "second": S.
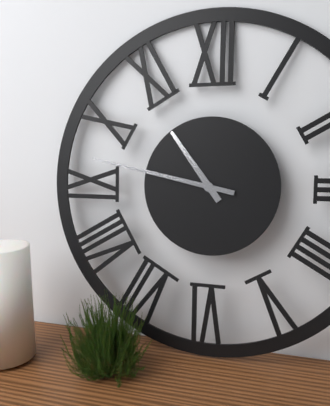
{"hour": 10, "minute": 47}
